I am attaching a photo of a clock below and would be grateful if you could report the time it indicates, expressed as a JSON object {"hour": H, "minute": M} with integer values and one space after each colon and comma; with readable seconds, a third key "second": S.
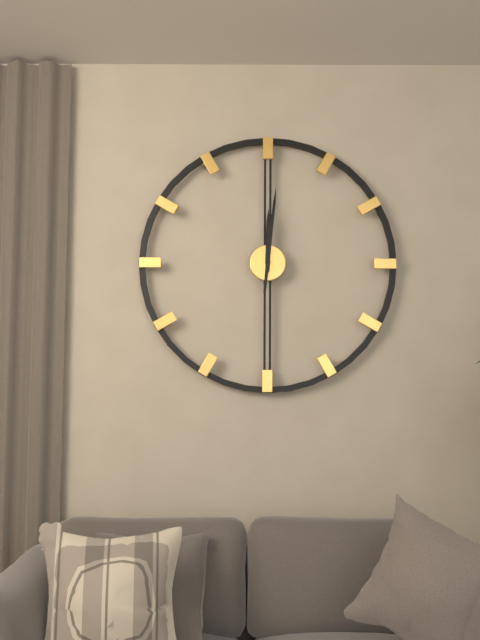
{"hour": 12, "minute": 1}
